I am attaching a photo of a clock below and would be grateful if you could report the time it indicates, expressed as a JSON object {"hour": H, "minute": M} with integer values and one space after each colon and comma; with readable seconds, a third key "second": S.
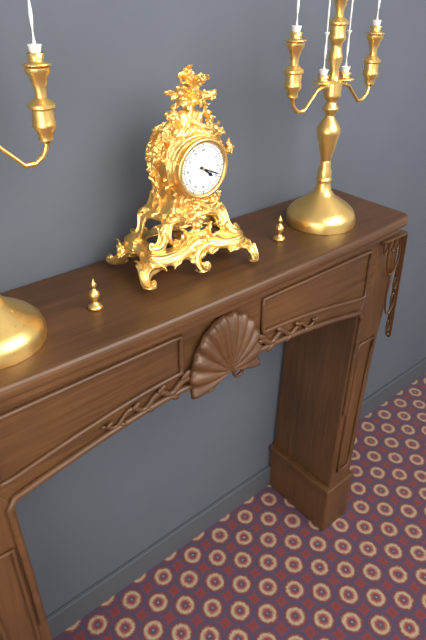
{"hour": 4, "minute": 19}
